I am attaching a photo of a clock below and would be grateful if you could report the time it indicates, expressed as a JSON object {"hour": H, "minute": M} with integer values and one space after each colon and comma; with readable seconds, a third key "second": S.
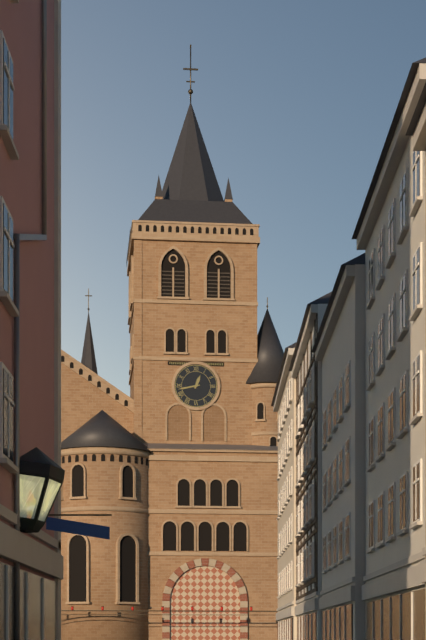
{"hour": 12, "minute": 43}
